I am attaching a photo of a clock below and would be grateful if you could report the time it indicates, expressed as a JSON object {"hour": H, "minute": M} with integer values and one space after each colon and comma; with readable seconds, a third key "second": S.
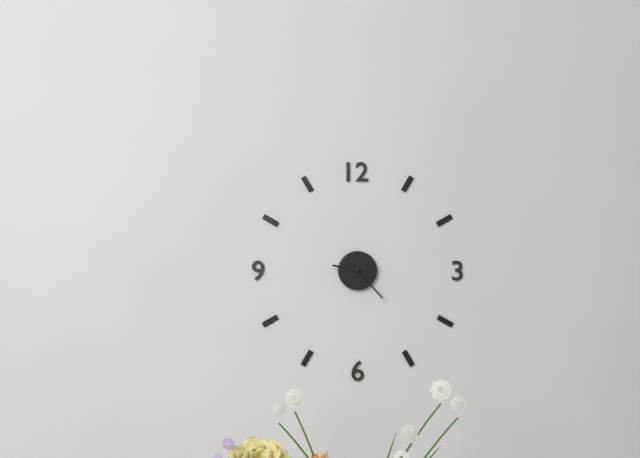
{"hour": 9, "minute": 23}
